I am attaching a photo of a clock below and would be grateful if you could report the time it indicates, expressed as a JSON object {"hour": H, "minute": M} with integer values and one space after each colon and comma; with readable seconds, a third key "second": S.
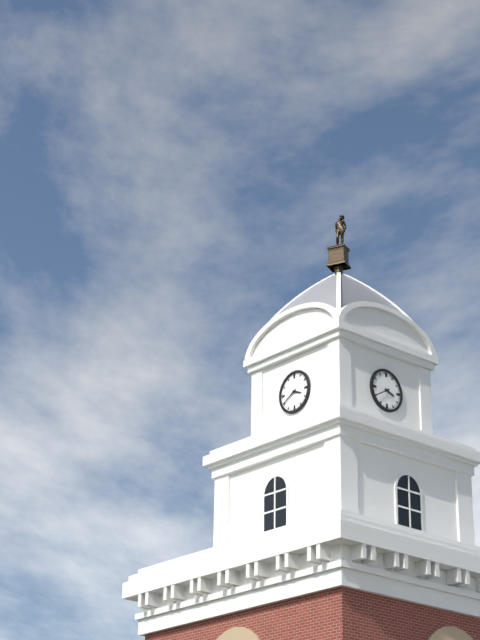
{"hour": 3, "minute": 40}
